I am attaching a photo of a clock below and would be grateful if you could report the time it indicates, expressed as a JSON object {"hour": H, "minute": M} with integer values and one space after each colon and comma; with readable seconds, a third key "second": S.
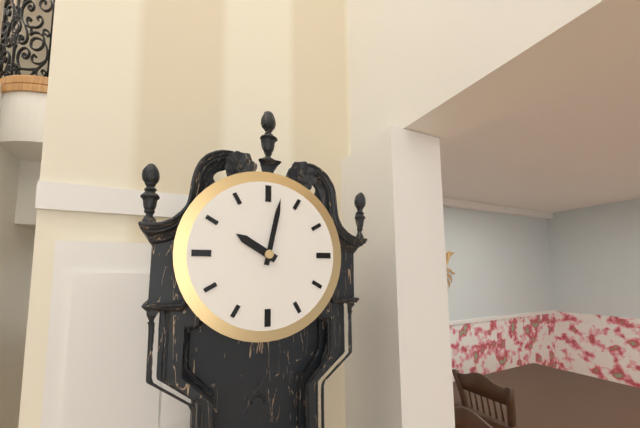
{"hour": 10, "minute": 2}
